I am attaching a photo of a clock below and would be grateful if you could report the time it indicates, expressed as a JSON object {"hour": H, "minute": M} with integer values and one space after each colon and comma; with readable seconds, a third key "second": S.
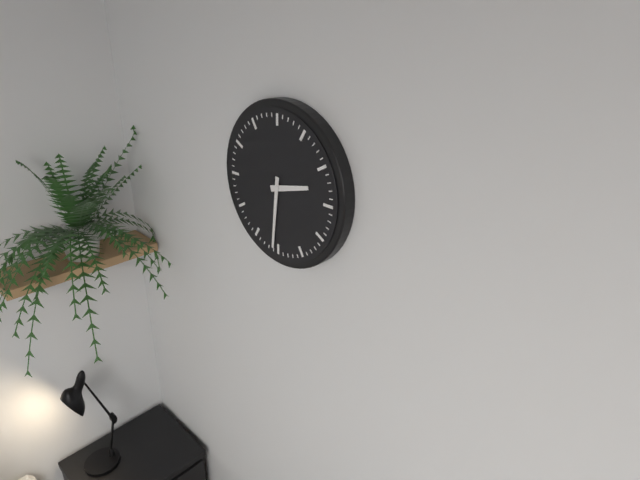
{"hour": 2, "minute": 31}
